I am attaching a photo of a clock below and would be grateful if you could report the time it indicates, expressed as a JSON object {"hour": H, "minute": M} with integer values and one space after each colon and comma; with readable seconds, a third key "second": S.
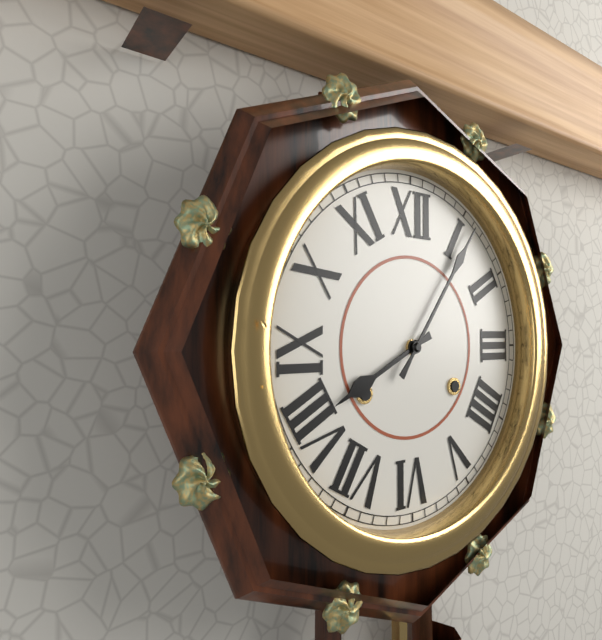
{"hour": 8, "minute": 6}
